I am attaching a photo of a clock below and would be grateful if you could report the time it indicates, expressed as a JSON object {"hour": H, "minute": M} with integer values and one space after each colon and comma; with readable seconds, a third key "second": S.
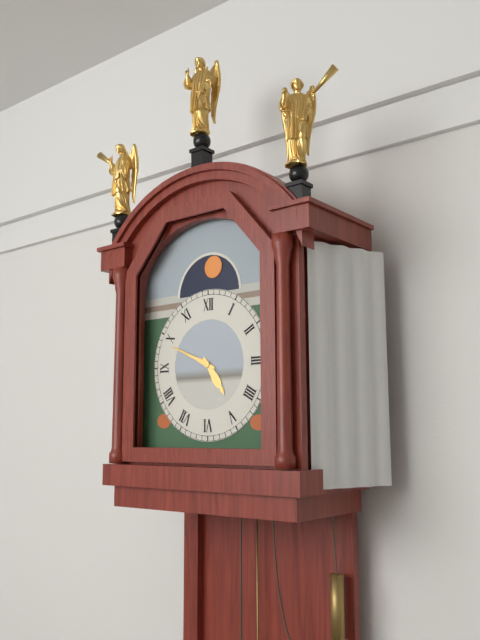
{"hour": 4, "minute": 49}
